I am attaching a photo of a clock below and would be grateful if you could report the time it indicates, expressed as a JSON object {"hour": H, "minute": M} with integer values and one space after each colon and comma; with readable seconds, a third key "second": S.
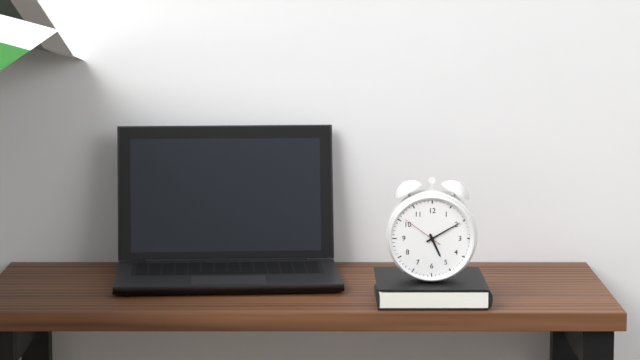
{"hour": 5, "minute": 10}
